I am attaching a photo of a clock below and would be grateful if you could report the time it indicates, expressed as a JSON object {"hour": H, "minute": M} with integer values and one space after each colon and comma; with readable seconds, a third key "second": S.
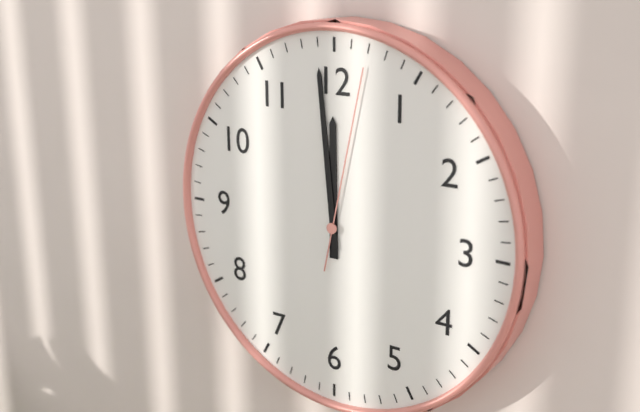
{"hour": 11, "minute": 59, "second": 2}
